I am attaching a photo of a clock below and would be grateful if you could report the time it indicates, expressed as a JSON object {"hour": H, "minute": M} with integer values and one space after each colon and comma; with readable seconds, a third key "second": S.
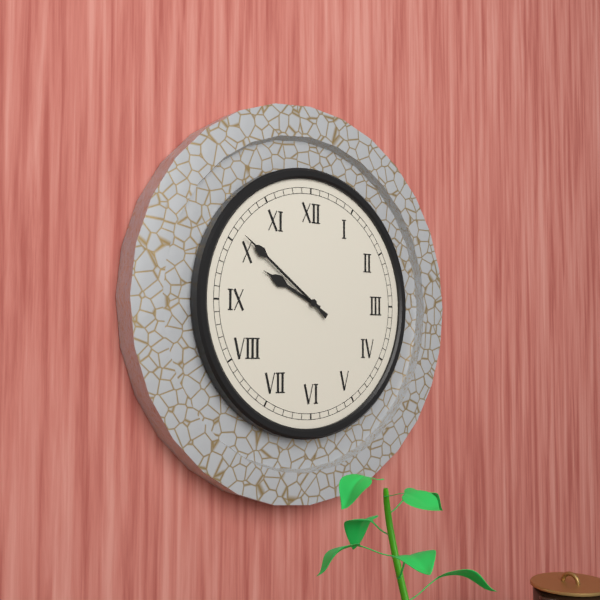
{"hour": 9, "minute": 51}
